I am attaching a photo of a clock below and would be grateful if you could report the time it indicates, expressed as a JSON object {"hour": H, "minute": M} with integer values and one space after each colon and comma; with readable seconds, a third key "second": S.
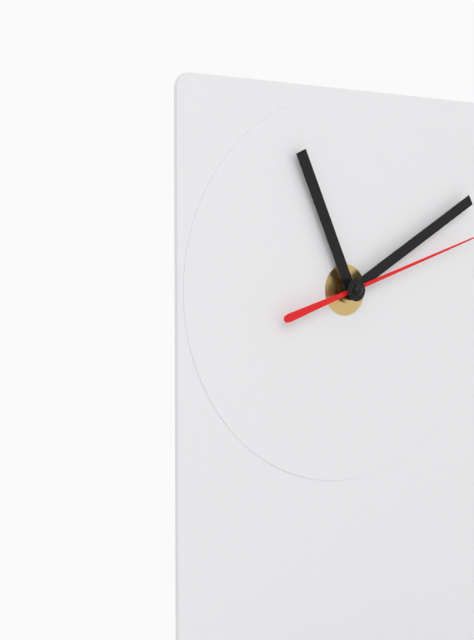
{"hour": 11, "minute": 10}
